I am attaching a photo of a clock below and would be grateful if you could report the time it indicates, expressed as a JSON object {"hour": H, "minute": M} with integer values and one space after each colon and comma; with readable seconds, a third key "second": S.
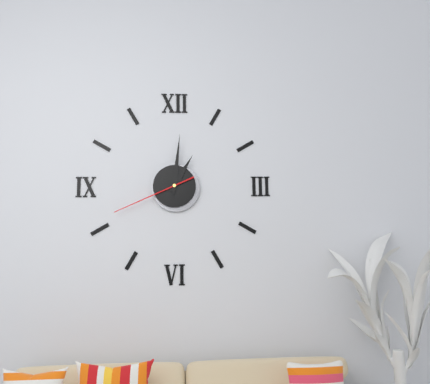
{"hour": 1, "minute": 1, "second": 41}
